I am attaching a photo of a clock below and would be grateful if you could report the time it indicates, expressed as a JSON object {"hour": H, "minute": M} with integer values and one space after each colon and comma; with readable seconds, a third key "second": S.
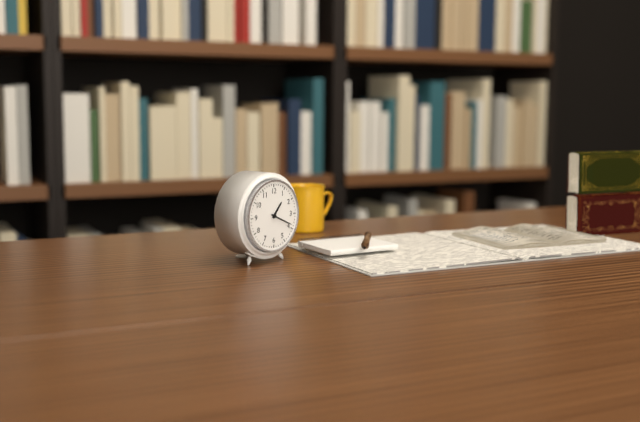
{"hour": 1, "minute": 19}
